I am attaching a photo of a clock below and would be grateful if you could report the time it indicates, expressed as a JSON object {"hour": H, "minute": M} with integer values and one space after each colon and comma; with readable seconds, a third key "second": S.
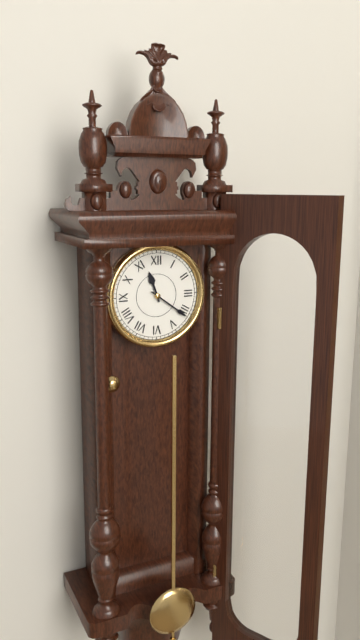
{"hour": 11, "minute": 21}
